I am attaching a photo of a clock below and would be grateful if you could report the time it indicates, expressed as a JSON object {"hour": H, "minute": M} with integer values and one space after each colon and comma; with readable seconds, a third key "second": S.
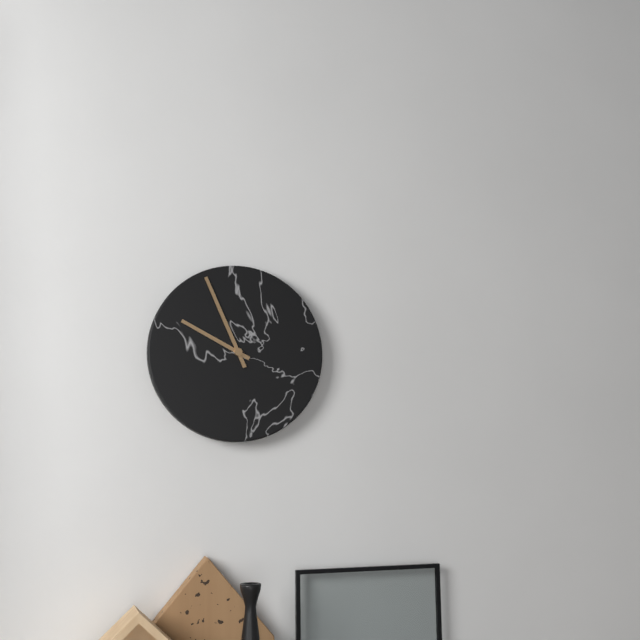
{"hour": 9, "minute": 56}
